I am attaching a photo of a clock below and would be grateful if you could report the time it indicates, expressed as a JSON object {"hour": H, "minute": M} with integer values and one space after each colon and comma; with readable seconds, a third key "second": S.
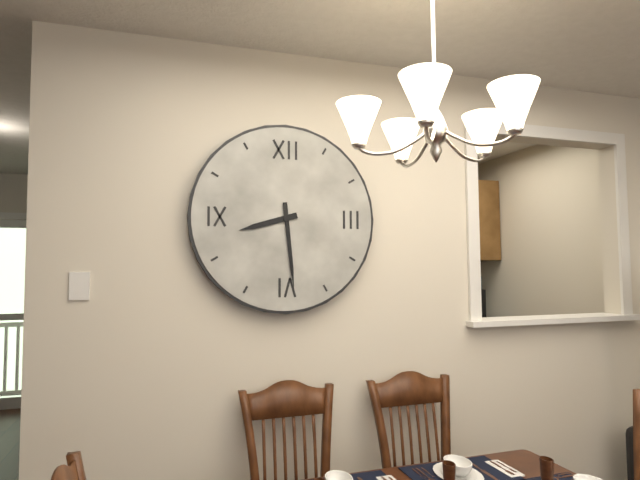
{"hour": 8, "minute": 29}
